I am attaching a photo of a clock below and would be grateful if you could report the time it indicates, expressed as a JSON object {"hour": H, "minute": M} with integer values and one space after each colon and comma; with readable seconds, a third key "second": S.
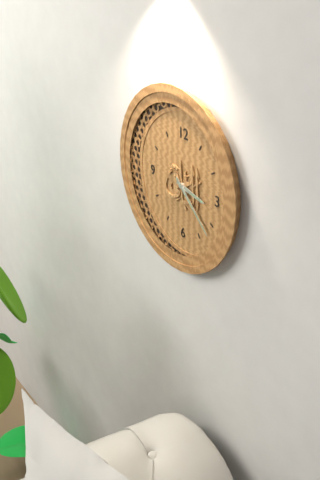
{"hour": 3, "minute": 22}
